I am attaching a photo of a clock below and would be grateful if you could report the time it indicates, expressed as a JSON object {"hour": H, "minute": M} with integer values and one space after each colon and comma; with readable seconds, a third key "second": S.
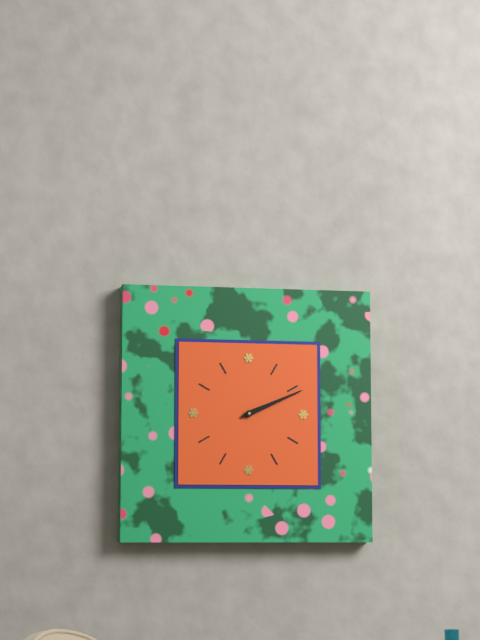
{"hour": 2, "minute": 11}
